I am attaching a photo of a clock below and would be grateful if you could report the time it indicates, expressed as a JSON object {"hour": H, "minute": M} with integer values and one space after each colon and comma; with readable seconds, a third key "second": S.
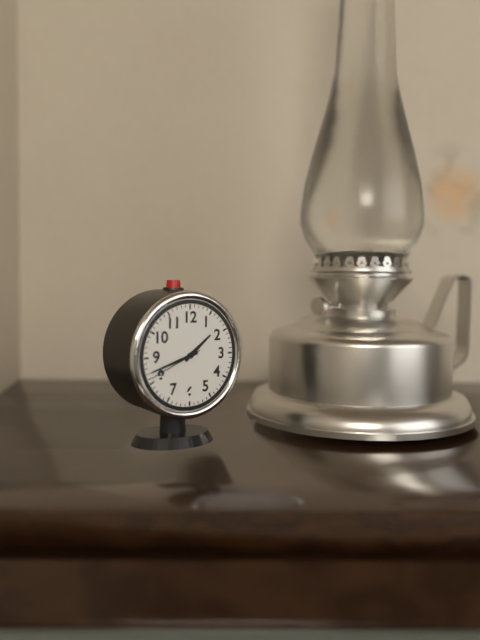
{"hour": 1, "minute": 42}
